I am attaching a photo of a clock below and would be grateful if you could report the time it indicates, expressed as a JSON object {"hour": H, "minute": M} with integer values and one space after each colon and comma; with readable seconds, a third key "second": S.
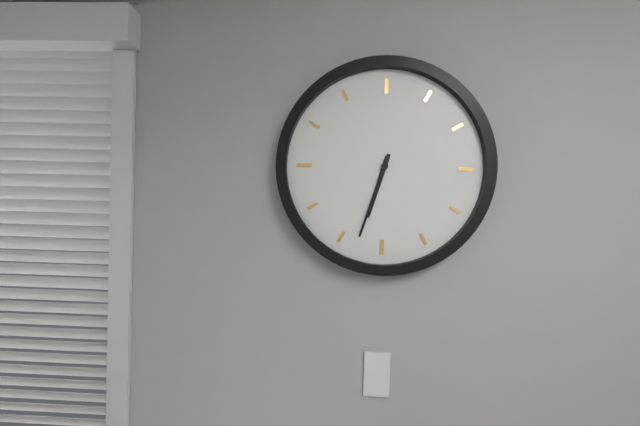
{"hour": 6, "minute": 33}
